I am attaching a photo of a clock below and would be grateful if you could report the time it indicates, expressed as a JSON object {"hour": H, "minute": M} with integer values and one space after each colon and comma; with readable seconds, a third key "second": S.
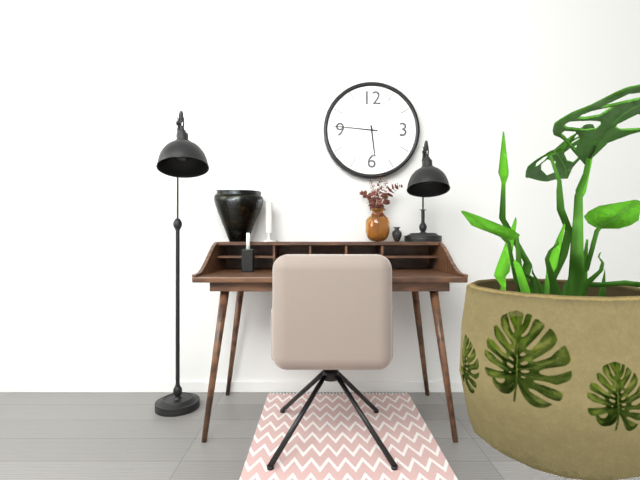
{"hour": 5, "minute": 46}
